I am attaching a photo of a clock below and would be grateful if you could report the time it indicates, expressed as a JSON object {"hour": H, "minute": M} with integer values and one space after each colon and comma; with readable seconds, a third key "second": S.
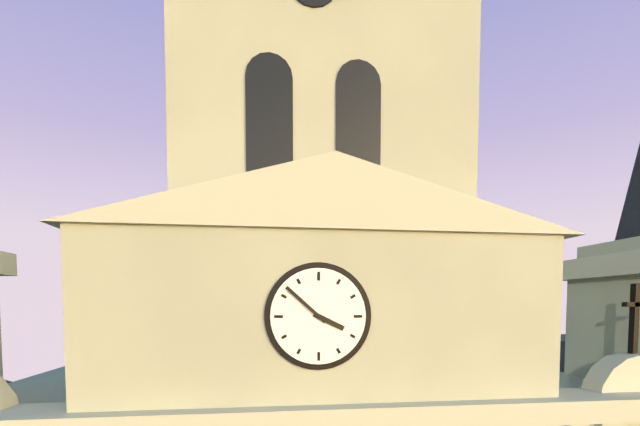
{"hour": 3, "minute": 52}
